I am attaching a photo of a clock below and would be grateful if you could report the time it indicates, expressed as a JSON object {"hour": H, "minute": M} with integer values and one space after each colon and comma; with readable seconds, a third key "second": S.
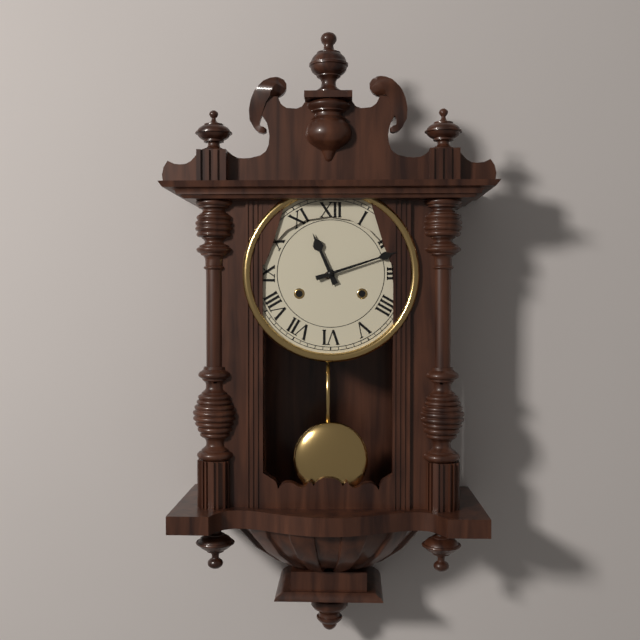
{"hour": 11, "minute": 12}
